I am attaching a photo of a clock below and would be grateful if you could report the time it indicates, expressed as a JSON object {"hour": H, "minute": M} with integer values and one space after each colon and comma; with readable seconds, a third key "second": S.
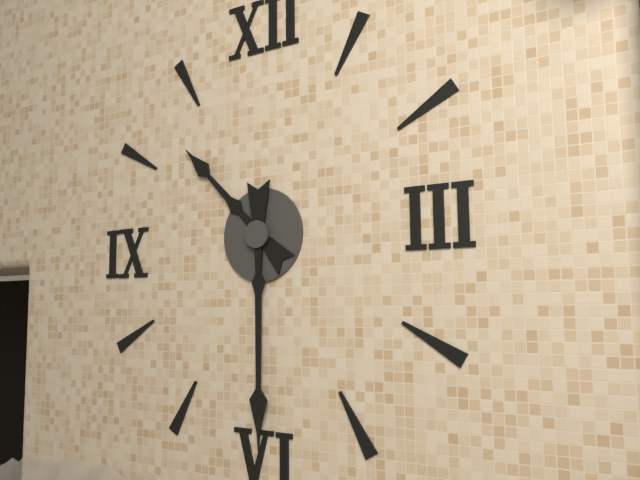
{"hour": 10, "minute": 30}
